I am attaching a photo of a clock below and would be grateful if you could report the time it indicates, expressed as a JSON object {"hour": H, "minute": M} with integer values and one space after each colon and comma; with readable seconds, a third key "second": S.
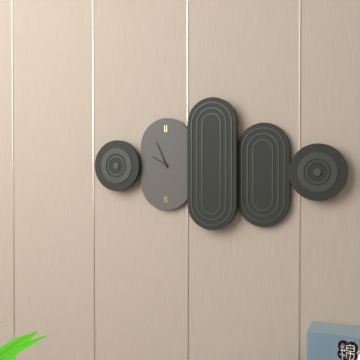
{"hour": 9, "minute": 56}
